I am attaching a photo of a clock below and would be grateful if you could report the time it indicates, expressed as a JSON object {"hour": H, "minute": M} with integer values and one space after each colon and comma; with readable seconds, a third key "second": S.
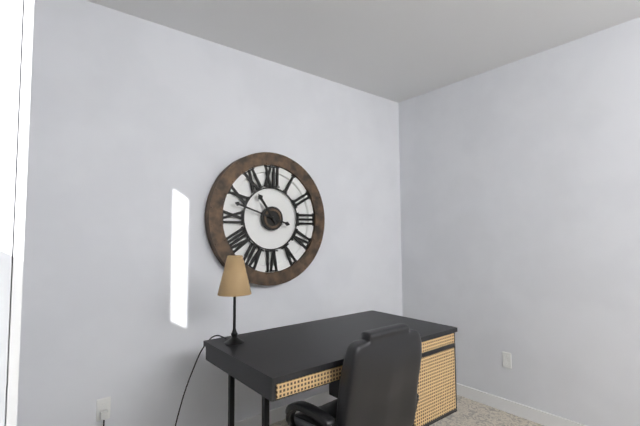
{"hour": 10, "minute": 48}
